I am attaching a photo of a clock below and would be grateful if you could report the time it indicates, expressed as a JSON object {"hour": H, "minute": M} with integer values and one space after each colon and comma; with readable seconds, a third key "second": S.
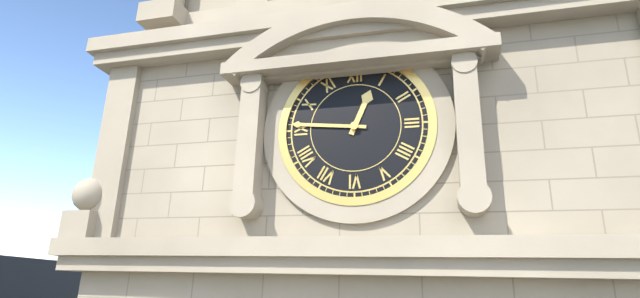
{"hour": 12, "minute": 46}
